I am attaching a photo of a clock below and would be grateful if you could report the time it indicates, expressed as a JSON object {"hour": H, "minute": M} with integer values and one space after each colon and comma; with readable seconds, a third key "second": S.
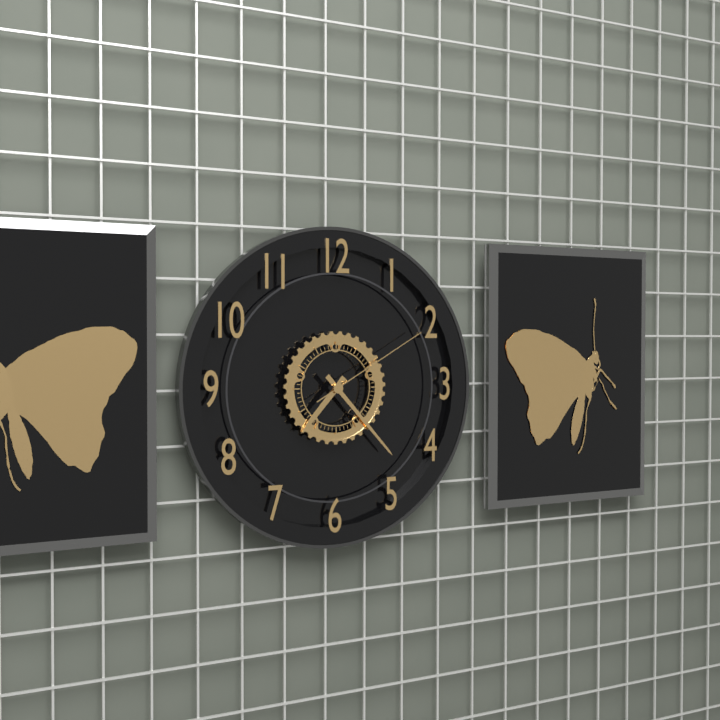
{"hour": 7, "minute": 23, "second": 10}
